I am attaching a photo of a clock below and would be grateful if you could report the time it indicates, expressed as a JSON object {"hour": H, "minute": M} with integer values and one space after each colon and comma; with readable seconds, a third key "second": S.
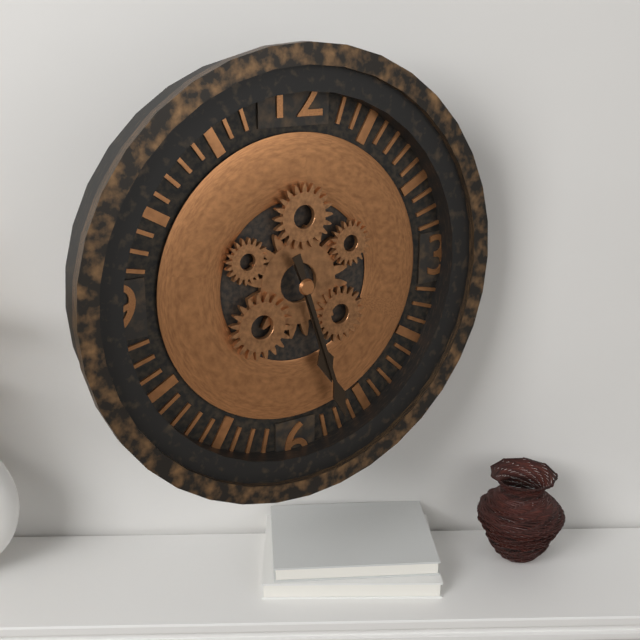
{"hour": 5, "minute": 27}
